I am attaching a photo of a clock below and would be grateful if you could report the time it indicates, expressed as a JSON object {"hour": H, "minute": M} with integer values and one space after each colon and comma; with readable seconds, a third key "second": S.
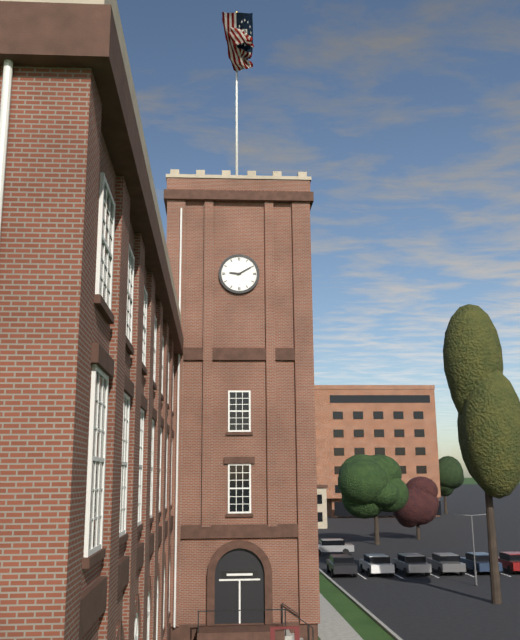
{"hour": 9, "minute": 10}
